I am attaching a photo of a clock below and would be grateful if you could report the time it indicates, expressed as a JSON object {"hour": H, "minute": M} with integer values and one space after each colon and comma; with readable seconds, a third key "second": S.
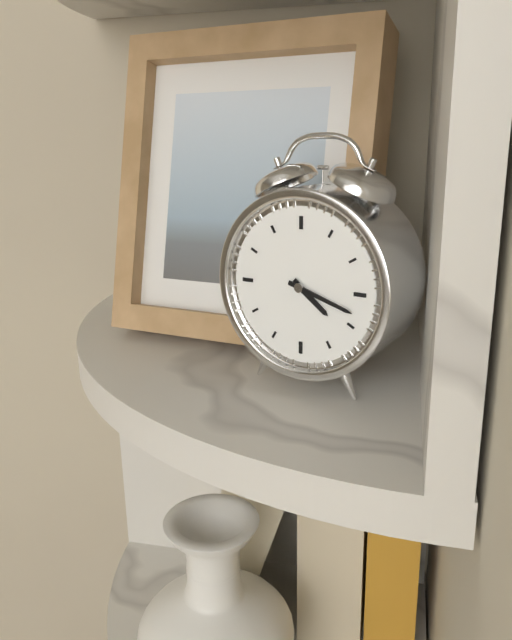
{"hour": 4, "minute": 18}
